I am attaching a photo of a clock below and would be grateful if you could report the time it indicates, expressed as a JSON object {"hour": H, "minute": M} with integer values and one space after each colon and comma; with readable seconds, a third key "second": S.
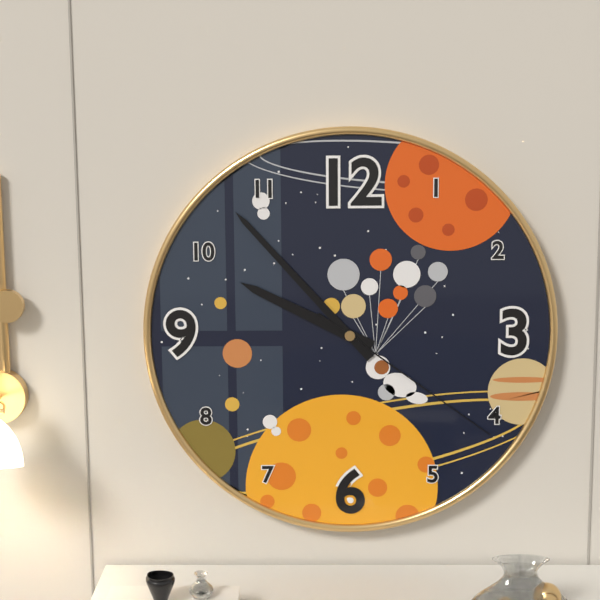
{"hour": 9, "minute": 53, "second": 21}
